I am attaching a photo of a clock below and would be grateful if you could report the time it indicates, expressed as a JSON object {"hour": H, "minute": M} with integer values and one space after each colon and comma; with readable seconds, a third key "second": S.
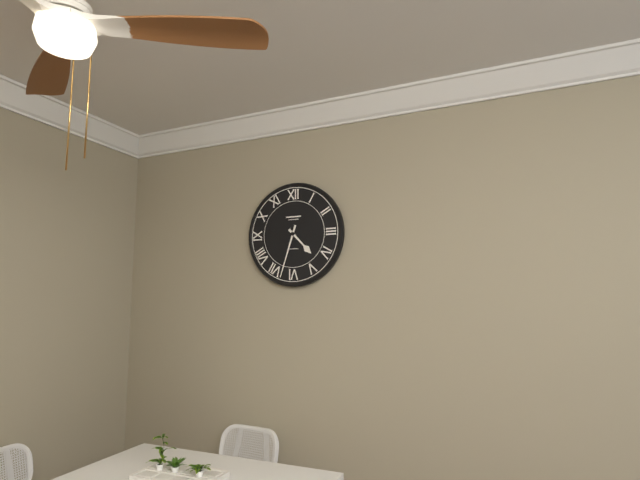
{"hour": 4, "minute": 33}
